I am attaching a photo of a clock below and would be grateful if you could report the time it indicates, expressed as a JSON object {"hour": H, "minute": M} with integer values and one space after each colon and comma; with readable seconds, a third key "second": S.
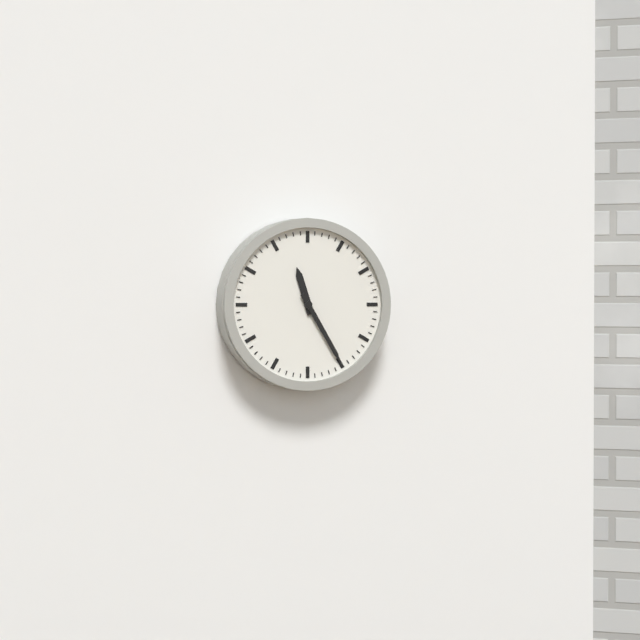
{"hour": 11, "minute": 25}
